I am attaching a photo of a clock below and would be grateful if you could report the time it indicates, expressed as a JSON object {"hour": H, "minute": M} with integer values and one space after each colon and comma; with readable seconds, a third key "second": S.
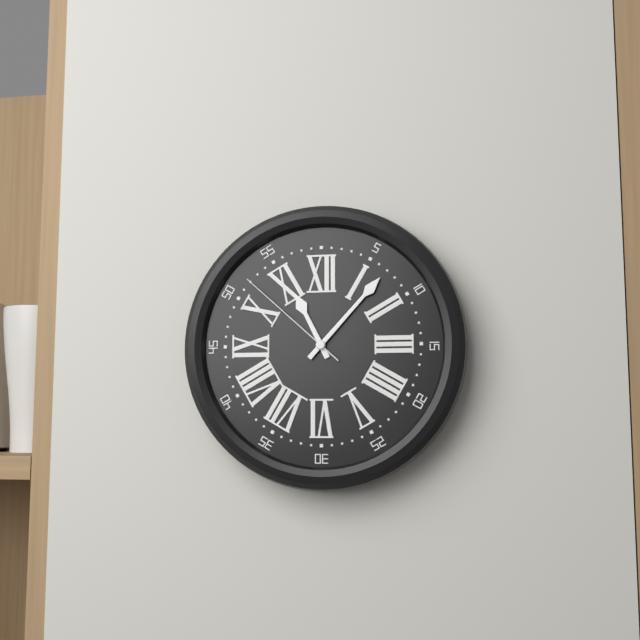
{"hour": 11, "minute": 7, "second": 52}
